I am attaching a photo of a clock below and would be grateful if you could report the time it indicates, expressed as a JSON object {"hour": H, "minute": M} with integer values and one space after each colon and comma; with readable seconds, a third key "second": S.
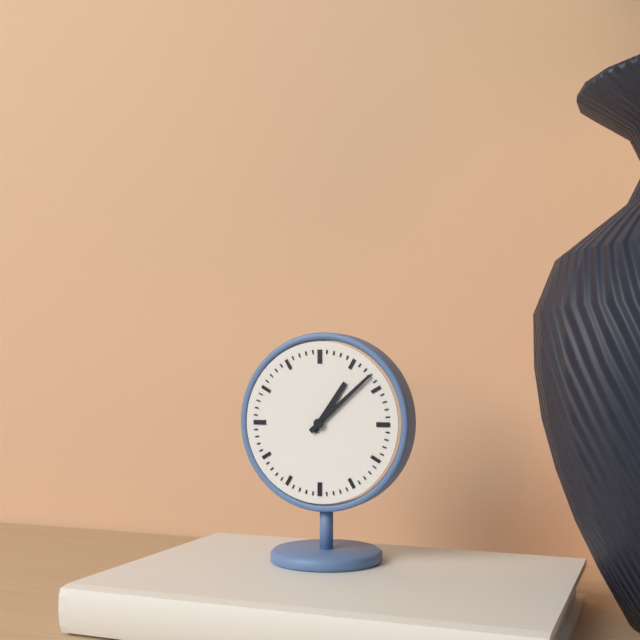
{"hour": 1, "minute": 8}
